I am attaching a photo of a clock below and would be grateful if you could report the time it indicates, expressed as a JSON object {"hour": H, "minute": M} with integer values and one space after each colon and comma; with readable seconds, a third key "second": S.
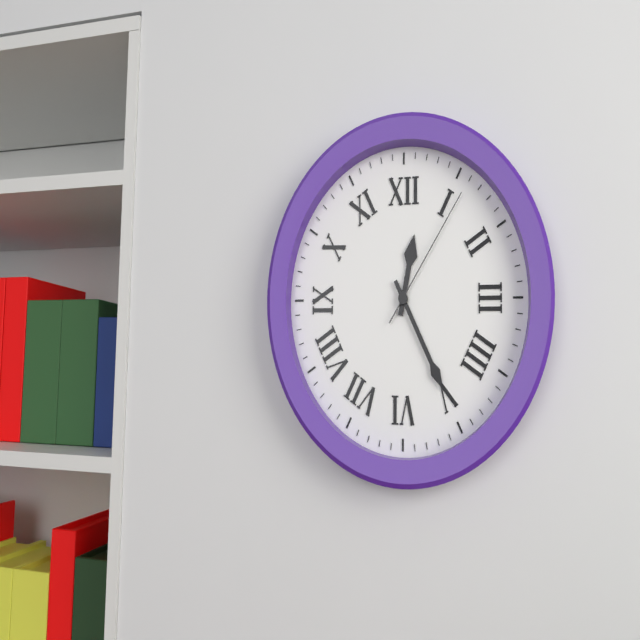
{"hour": 12, "minute": 25, "second": 6}
